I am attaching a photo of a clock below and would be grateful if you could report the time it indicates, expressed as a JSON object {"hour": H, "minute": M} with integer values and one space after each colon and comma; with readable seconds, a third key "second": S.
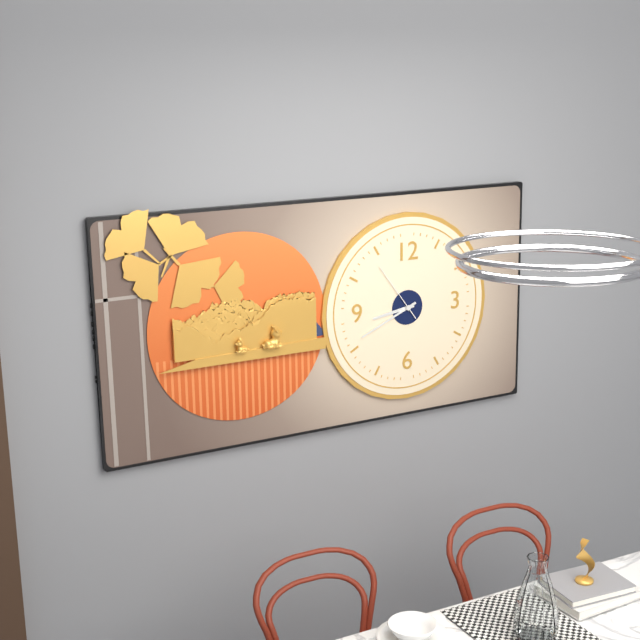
{"hour": 8, "minute": 41, "second": 54}
